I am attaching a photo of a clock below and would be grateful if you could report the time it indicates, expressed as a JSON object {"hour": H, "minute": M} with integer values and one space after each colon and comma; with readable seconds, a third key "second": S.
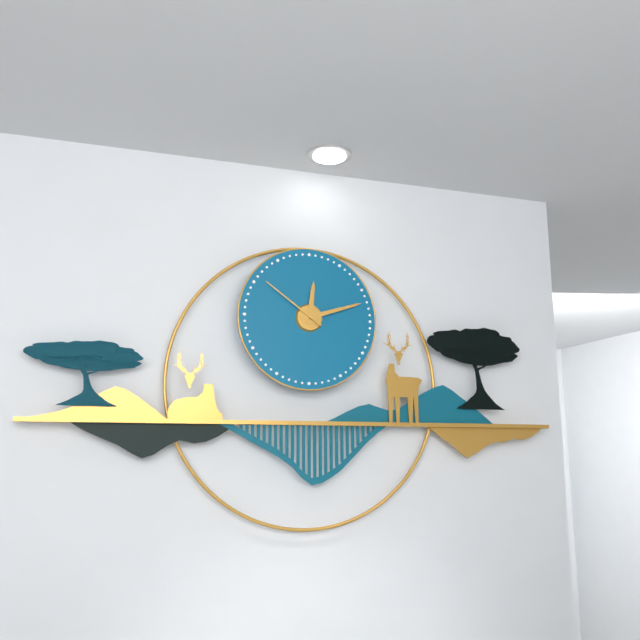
{"hour": 12, "minute": 12, "second": 51}
